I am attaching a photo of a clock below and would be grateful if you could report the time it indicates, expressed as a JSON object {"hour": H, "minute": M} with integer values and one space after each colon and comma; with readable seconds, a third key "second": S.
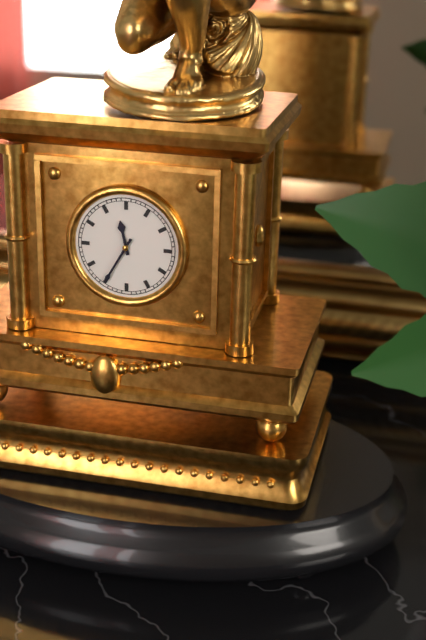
{"hour": 11, "minute": 35}
